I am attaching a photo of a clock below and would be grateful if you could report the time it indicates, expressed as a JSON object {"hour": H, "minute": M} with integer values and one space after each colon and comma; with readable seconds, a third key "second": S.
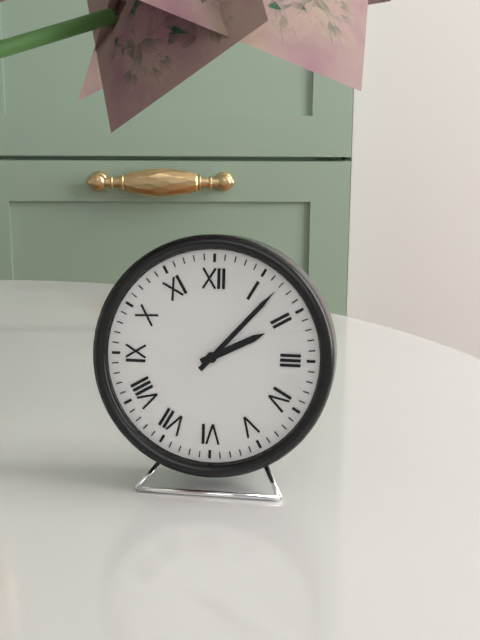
{"hour": 2, "minute": 7}
